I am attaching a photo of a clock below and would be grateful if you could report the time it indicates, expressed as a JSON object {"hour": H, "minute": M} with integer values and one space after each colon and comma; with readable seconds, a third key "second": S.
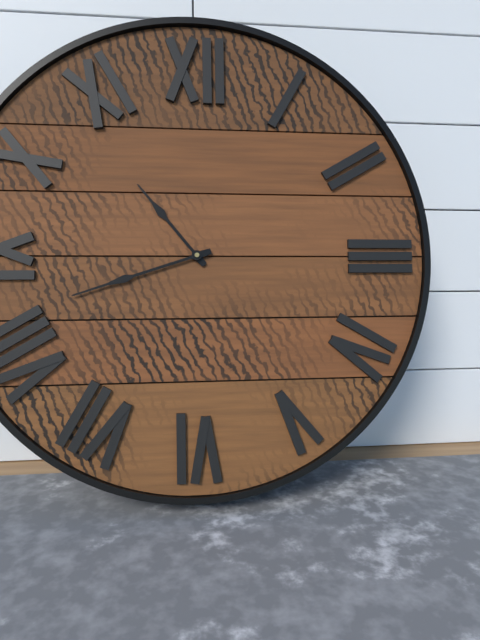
{"hour": 10, "minute": 42}
